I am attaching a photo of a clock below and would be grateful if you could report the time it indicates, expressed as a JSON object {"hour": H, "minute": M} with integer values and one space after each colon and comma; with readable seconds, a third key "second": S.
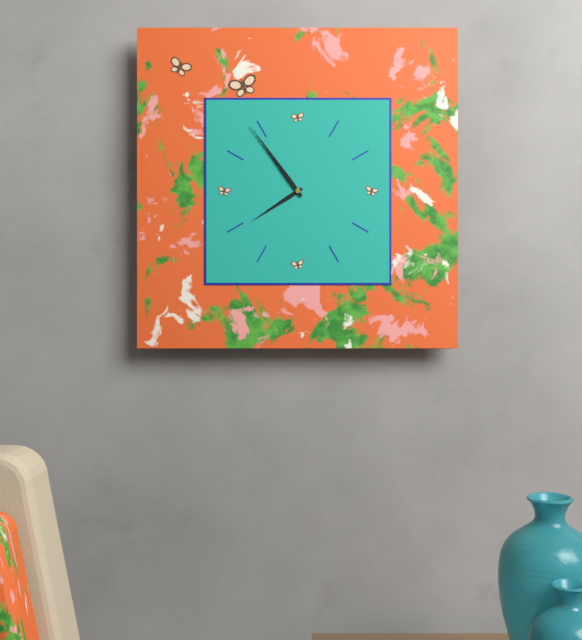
{"hour": 7, "minute": 54}
